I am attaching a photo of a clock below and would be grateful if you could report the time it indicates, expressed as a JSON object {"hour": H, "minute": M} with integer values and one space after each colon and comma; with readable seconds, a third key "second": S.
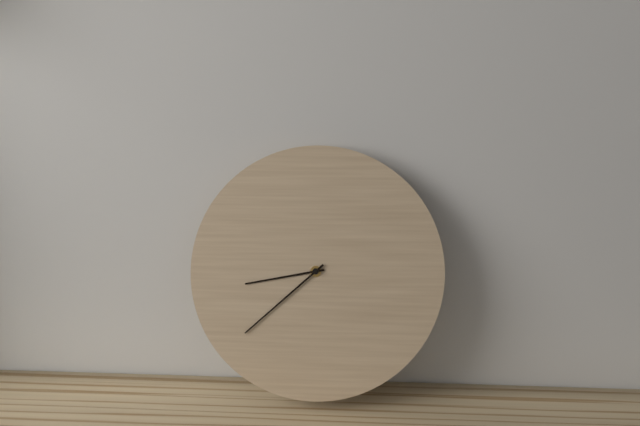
{"hour": 8, "minute": 38}
